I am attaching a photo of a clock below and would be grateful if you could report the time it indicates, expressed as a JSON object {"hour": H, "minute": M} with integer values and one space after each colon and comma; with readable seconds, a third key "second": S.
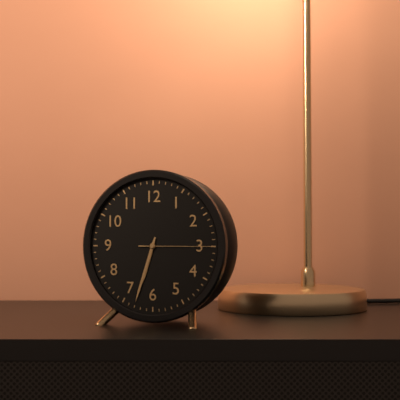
{"hour": 6, "minute": 33, "second": 15}
